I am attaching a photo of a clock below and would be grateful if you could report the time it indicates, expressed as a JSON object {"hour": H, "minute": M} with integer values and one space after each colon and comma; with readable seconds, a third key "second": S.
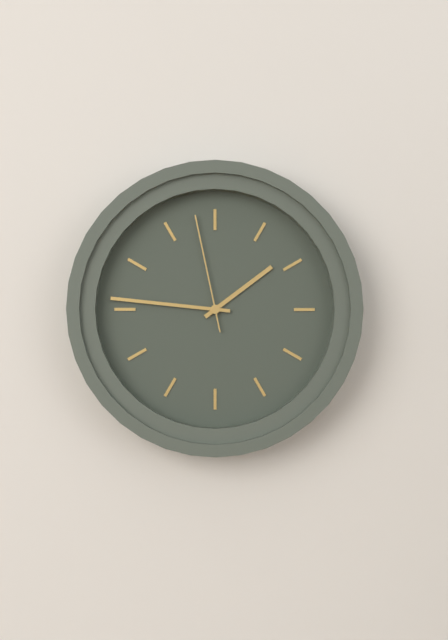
{"hour": 1, "minute": 46, "second": 58}
